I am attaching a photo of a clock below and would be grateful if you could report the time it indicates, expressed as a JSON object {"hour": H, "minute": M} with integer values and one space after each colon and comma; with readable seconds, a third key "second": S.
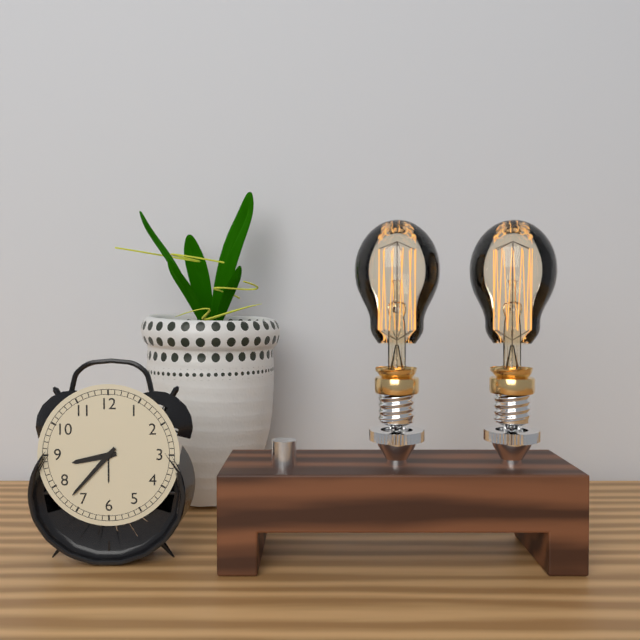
{"hour": 8, "minute": 37}
